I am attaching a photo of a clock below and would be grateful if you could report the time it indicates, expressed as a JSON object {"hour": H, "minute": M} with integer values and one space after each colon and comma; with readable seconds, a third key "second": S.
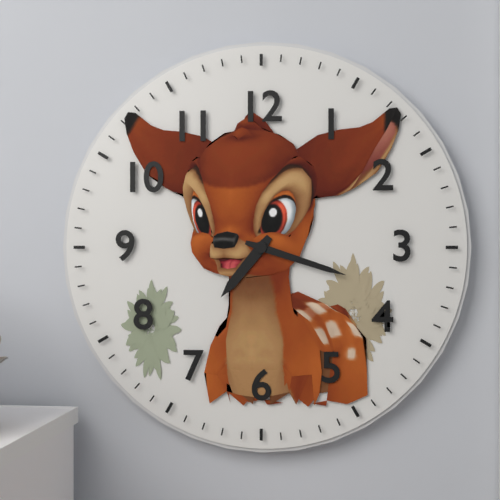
{"hour": 7, "minute": 18}
